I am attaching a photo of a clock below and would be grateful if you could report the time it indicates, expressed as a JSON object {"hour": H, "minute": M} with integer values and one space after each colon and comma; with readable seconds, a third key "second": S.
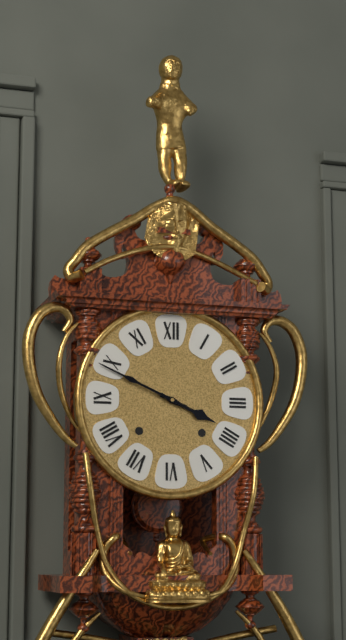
{"hour": 3, "minute": 49}
